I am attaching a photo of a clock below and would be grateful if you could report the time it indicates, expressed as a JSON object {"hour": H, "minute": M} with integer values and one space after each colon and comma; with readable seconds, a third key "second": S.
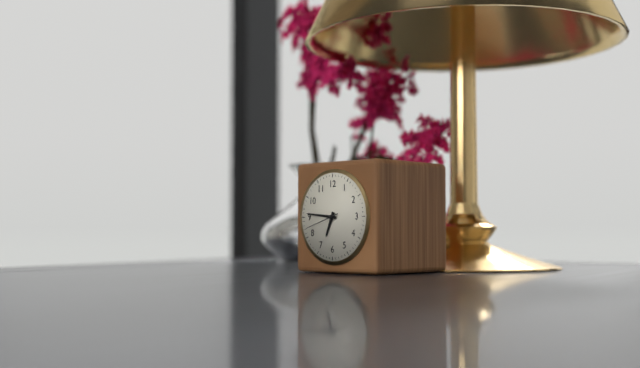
{"hour": 6, "minute": 46}
